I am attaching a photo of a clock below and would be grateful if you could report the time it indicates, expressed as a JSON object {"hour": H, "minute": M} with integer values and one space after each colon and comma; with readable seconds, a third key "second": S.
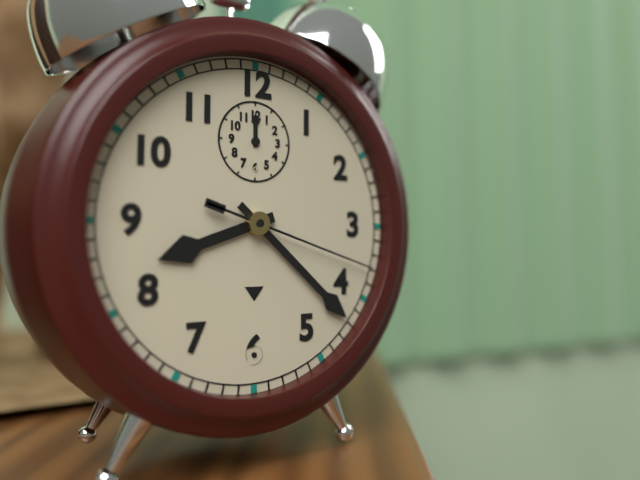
{"hour": 8, "minute": 22, "second": 18}
